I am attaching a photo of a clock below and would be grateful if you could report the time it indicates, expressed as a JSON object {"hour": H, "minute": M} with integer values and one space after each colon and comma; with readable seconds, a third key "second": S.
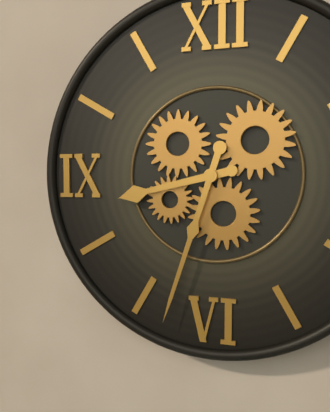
{"hour": 8, "minute": 33}
